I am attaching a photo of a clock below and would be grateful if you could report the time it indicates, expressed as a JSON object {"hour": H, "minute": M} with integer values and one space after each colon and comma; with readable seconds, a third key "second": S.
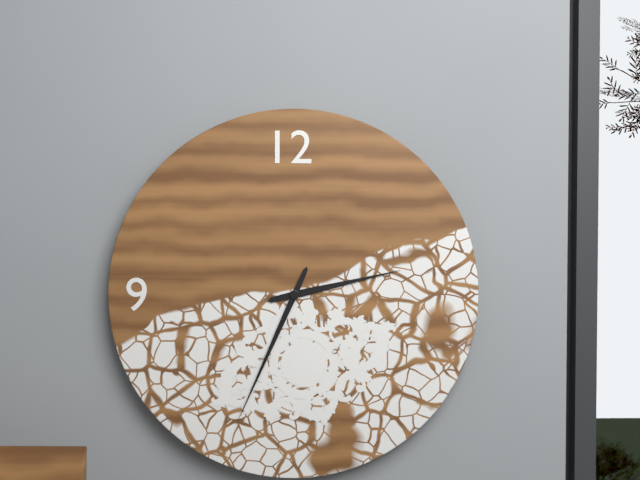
{"hour": 2, "minute": 34}
